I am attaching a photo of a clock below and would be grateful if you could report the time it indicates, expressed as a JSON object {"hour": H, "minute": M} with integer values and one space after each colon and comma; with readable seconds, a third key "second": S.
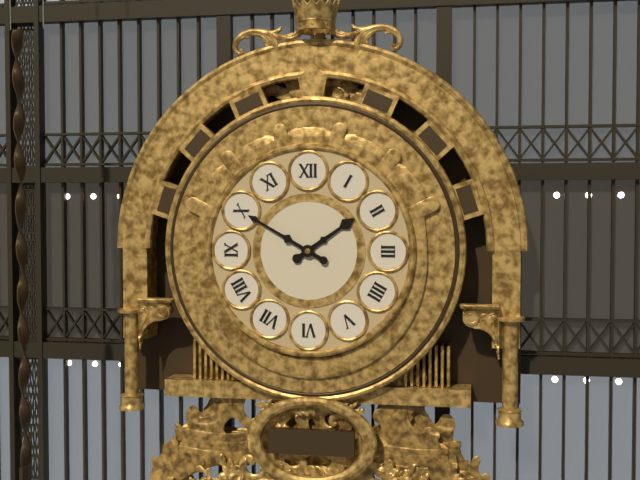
{"hour": 1, "minute": 50}
